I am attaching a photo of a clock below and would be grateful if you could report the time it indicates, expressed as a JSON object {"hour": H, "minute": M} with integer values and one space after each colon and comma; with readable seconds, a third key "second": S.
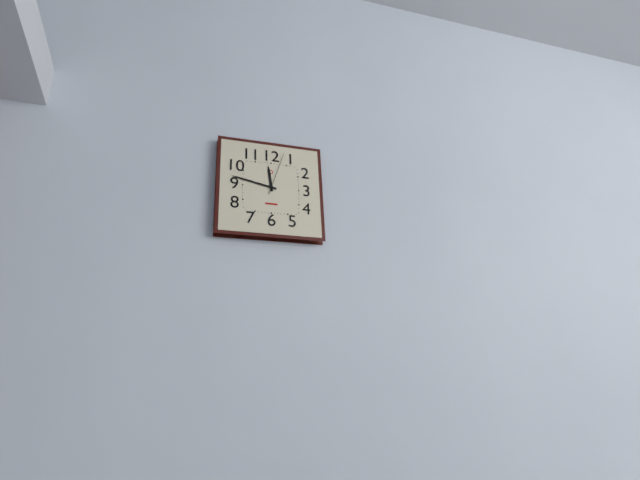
{"hour": 11, "minute": 47}
